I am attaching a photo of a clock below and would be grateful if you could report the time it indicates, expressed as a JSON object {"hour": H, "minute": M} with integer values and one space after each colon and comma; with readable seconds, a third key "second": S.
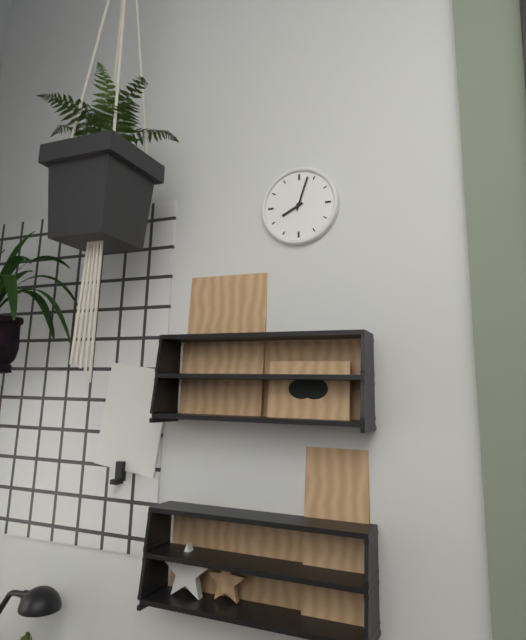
{"hour": 8, "minute": 3}
